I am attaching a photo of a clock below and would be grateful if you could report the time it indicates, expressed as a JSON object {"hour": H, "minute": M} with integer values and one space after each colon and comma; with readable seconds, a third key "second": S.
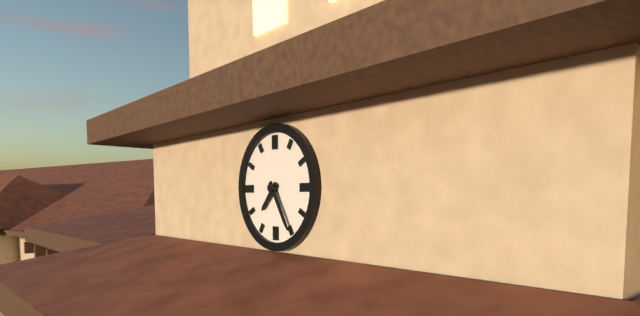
{"hour": 7, "minute": 25}
